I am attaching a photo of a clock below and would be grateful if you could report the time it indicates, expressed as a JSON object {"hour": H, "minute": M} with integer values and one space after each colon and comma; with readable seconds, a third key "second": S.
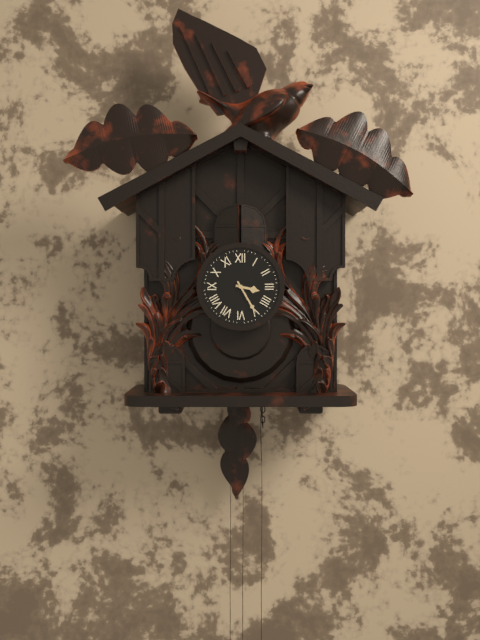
{"hour": 3, "minute": 25}
